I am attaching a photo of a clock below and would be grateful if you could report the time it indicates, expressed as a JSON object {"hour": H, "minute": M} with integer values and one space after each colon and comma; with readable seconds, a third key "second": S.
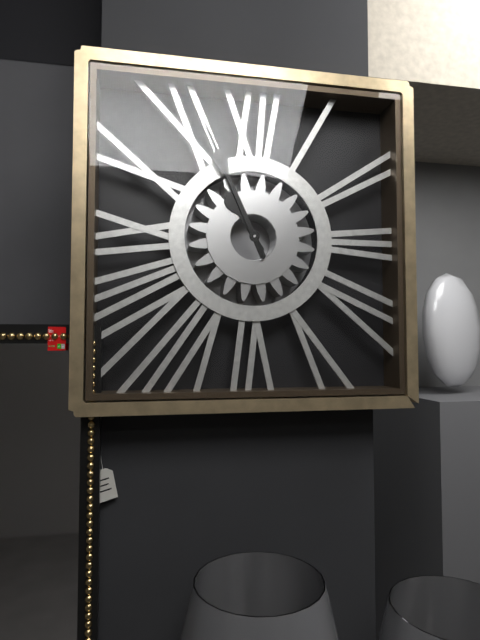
{"hour": 10, "minute": 56}
